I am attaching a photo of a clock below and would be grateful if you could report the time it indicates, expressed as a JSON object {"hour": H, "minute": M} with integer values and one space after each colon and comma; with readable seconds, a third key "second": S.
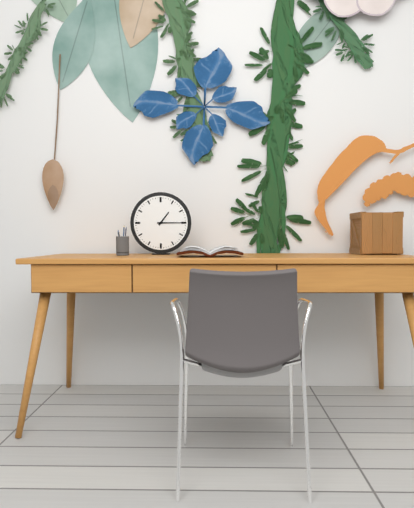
{"hour": 1, "minute": 15}
